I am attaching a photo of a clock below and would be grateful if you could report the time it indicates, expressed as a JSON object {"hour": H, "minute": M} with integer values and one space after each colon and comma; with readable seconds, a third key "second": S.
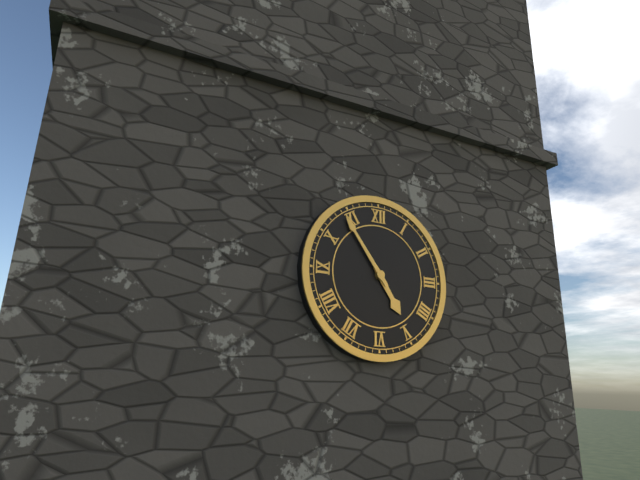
{"hour": 4, "minute": 54}
